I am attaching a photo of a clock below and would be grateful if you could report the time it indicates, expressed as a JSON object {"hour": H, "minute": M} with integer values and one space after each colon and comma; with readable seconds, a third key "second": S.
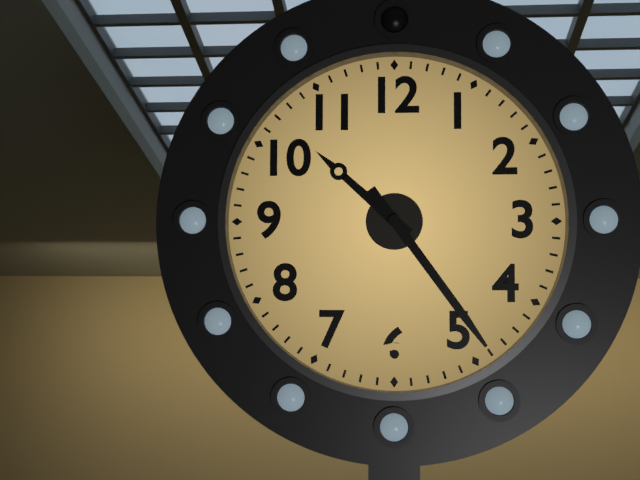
{"hour": 10, "minute": 24}
